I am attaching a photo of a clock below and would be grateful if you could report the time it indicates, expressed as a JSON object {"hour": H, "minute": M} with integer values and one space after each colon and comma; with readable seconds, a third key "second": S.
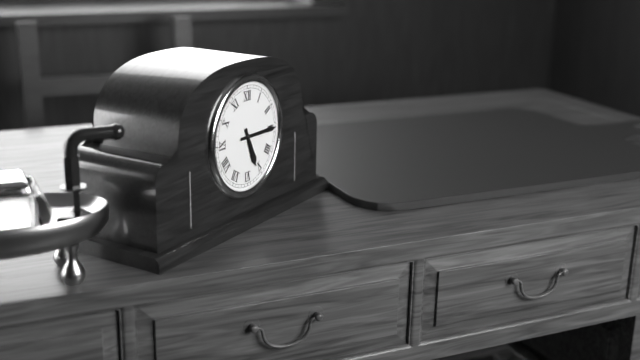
{"hour": 5, "minute": 15}
